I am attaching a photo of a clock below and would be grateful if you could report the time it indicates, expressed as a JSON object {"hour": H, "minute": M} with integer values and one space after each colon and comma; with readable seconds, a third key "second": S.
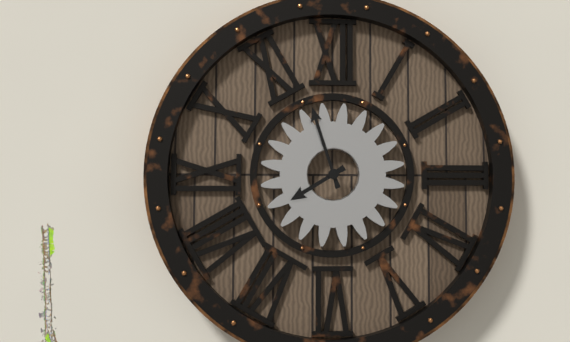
{"hour": 7, "minute": 57}
